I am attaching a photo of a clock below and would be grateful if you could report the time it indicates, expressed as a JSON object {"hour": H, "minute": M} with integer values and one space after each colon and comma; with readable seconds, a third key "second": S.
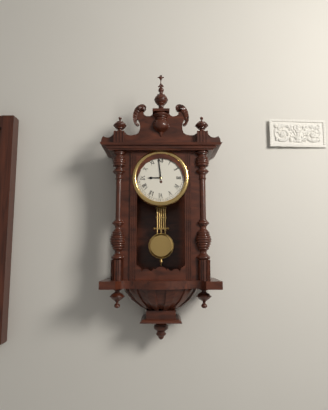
{"hour": 8, "minute": 59}
